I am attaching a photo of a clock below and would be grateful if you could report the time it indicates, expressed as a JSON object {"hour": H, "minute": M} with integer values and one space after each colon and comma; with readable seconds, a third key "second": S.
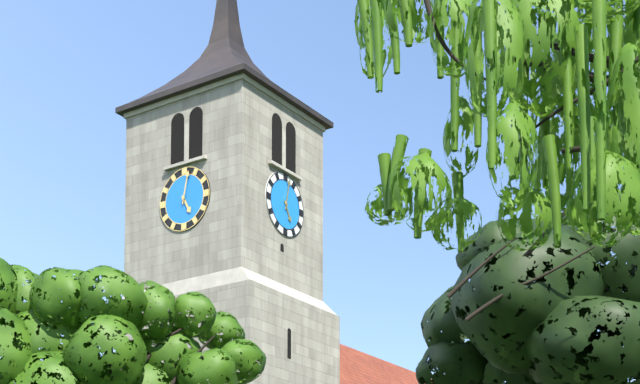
{"hour": 5, "minute": 2}
